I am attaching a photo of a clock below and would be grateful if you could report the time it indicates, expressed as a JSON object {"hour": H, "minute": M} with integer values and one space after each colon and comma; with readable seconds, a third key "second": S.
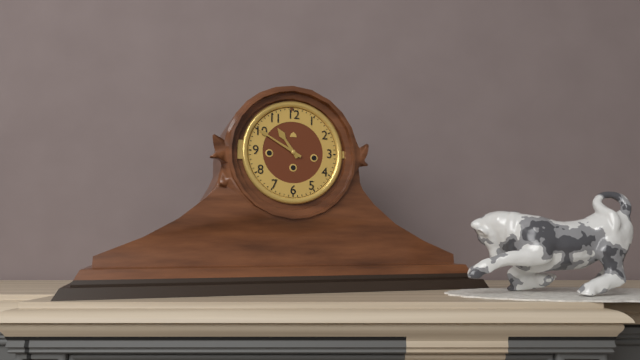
{"hour": 10, "minute": 50}
